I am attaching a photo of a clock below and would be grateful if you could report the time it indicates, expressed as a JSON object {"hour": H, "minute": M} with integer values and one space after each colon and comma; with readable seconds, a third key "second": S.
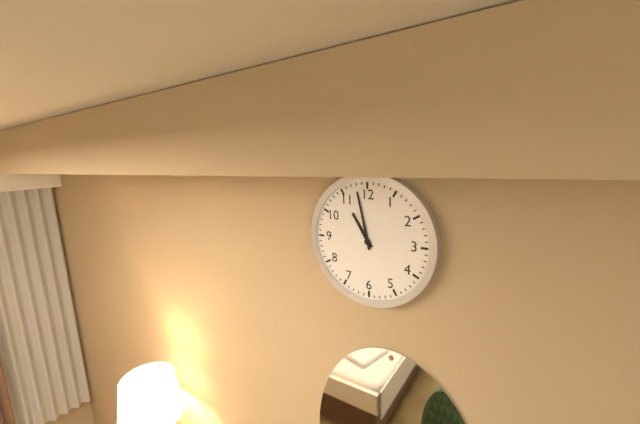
{"hour": 10, "minute": 58}
